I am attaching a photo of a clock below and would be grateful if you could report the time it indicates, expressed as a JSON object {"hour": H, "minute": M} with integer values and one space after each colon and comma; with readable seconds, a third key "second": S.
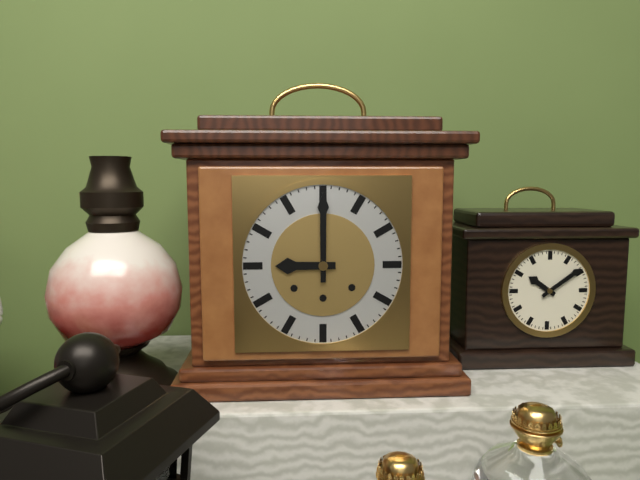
{"hour": 9, "minute": 0}
